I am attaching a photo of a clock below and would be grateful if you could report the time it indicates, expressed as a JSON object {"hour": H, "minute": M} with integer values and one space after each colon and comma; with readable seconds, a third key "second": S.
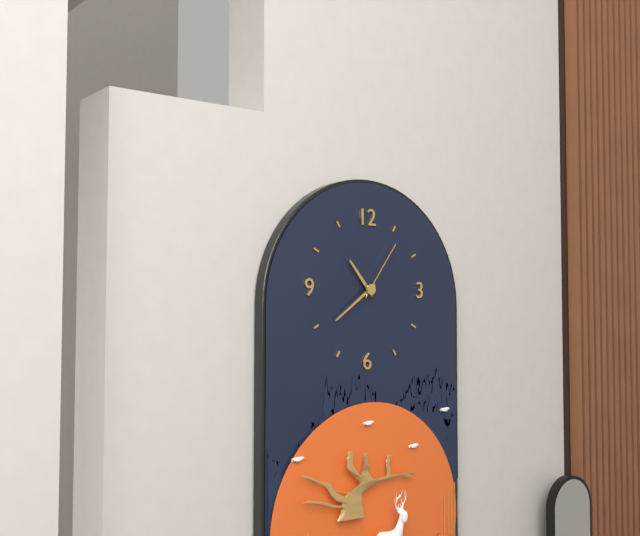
{"hour": 10, "minute": 39, "second": 6}
